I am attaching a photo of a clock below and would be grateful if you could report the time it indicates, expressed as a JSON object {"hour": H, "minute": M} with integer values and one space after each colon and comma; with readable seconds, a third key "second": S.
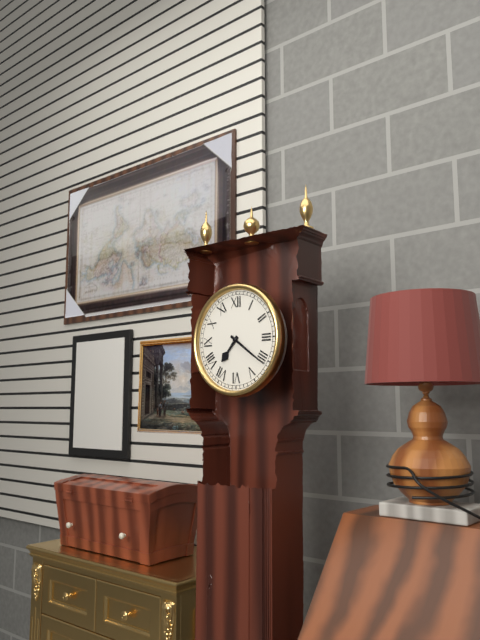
{"hour": 7, "minute": 21}
